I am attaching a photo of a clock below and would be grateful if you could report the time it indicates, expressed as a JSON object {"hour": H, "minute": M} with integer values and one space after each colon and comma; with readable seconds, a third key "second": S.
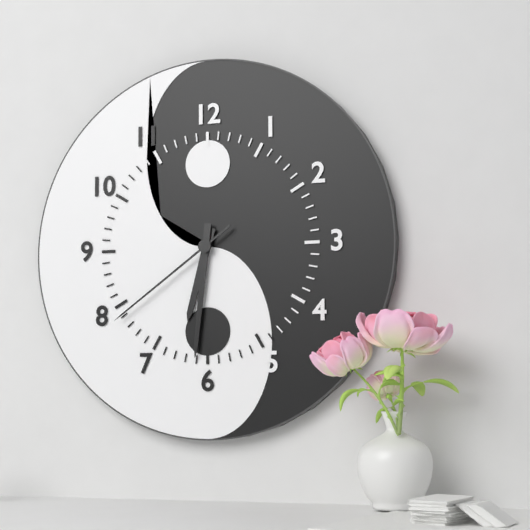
{"hour": 6, "minute": 31, "second": 39}
